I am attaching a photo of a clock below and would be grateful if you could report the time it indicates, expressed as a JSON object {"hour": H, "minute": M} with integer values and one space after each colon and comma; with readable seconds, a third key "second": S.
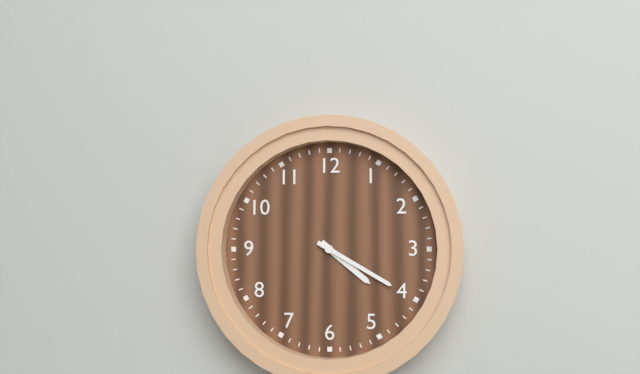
{"hour": 4, "minute": 20}
